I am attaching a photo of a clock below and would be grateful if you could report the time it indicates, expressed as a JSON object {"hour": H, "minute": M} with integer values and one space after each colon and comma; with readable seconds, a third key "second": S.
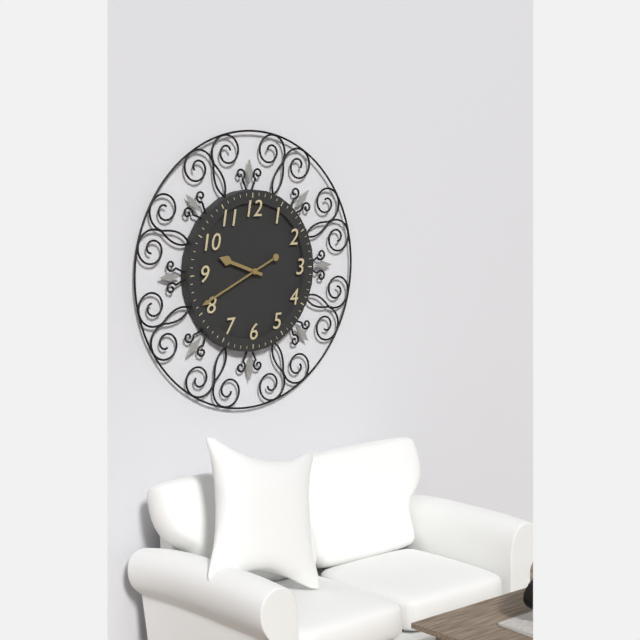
{"hour": 9, "minute": 41}
